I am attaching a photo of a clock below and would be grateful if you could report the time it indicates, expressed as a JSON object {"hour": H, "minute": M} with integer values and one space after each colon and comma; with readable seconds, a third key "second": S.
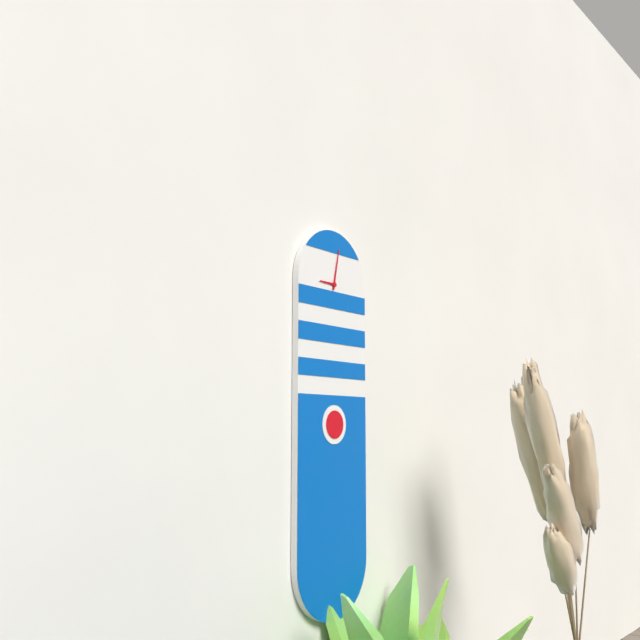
{"hour": 9, "minute": 2}
